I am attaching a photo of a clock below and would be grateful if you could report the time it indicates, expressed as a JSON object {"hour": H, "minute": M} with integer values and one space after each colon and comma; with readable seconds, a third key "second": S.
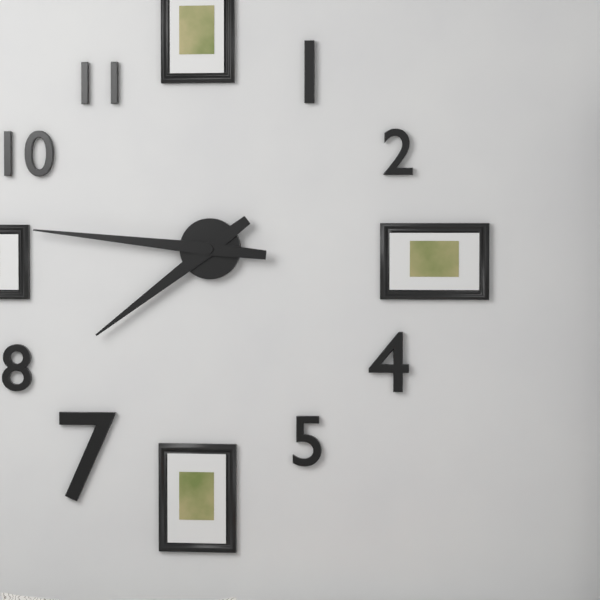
{"hour": 7, "minute": 46}
